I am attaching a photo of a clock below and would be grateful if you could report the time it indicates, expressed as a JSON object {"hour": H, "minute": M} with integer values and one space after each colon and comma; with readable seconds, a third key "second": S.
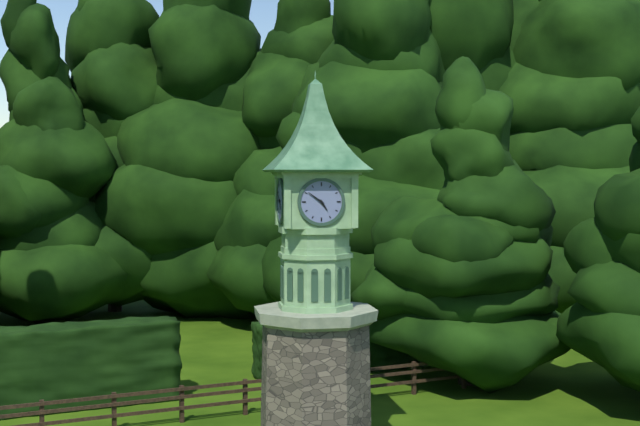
{"hour": 4, "minute": 51}
